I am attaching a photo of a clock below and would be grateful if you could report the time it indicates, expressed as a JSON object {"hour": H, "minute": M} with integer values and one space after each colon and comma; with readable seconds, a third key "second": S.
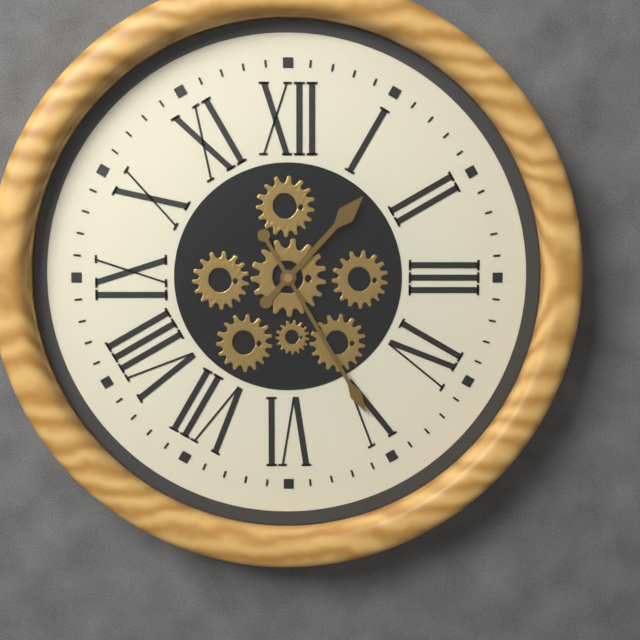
{"hour": 1, "minute": 25}
